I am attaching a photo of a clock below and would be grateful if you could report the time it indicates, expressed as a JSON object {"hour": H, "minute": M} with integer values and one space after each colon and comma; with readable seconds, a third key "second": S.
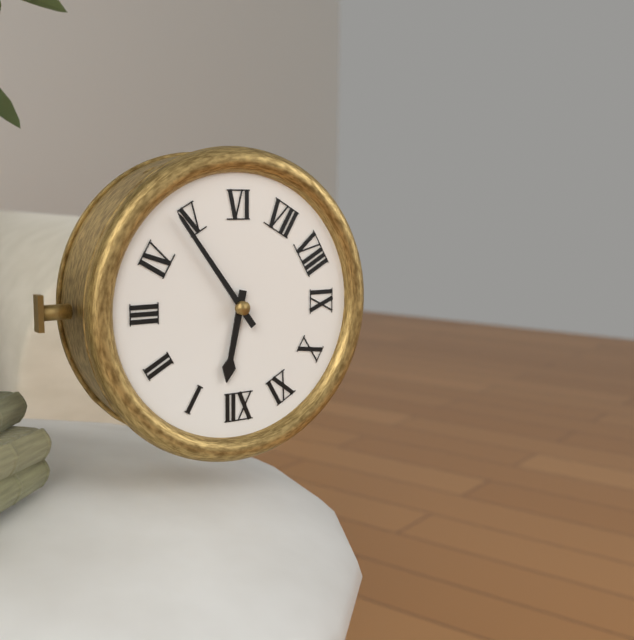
{"hour": 12, "minute": 24}
